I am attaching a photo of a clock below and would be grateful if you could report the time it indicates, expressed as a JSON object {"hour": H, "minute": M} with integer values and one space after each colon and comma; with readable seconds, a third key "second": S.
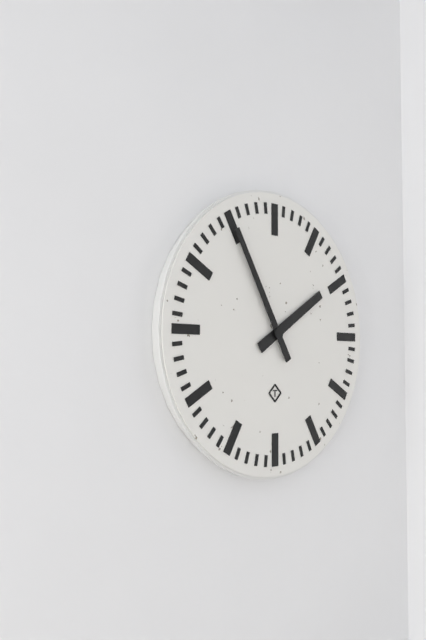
{"hour": 1, "minute": 55}
